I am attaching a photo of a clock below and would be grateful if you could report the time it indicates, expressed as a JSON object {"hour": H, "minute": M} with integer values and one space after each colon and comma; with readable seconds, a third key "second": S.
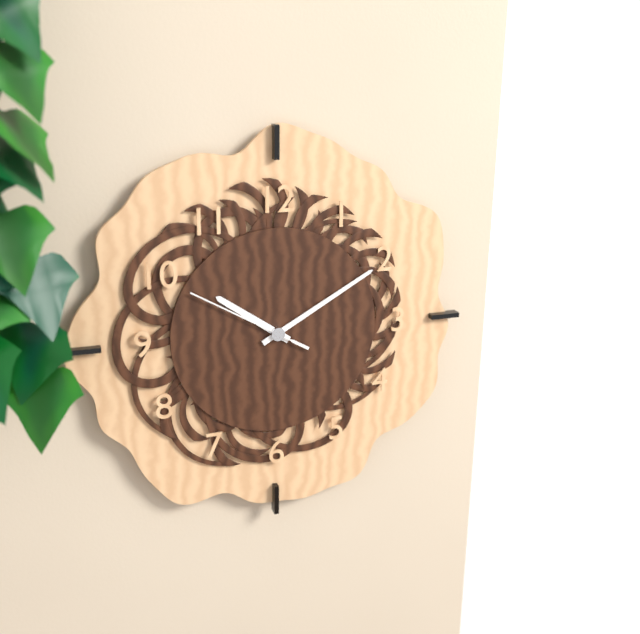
{"hour": 10, "minute": 10, "second": 50}
